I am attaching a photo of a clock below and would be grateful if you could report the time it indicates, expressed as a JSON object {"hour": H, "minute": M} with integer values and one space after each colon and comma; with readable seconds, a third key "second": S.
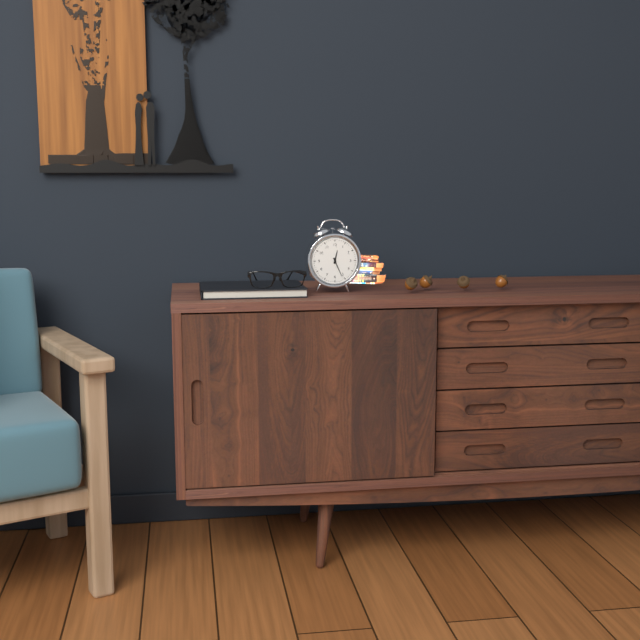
{"hour": 12, "minute": 26}
